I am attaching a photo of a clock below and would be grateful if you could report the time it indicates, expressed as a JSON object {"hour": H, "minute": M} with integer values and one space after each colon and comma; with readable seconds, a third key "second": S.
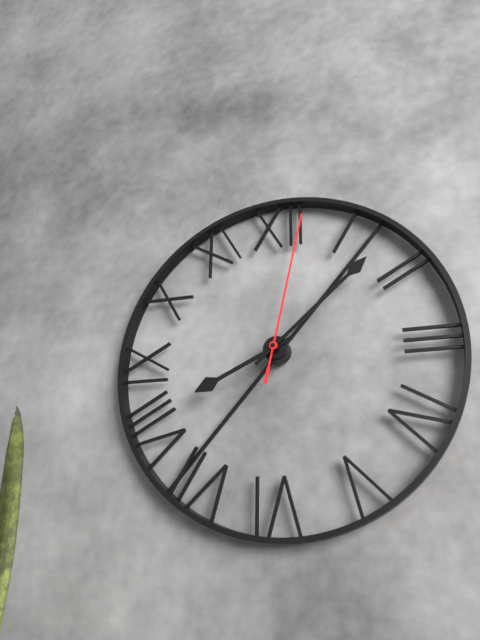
{"hour": 8, "minute": 8, "second": 2}
